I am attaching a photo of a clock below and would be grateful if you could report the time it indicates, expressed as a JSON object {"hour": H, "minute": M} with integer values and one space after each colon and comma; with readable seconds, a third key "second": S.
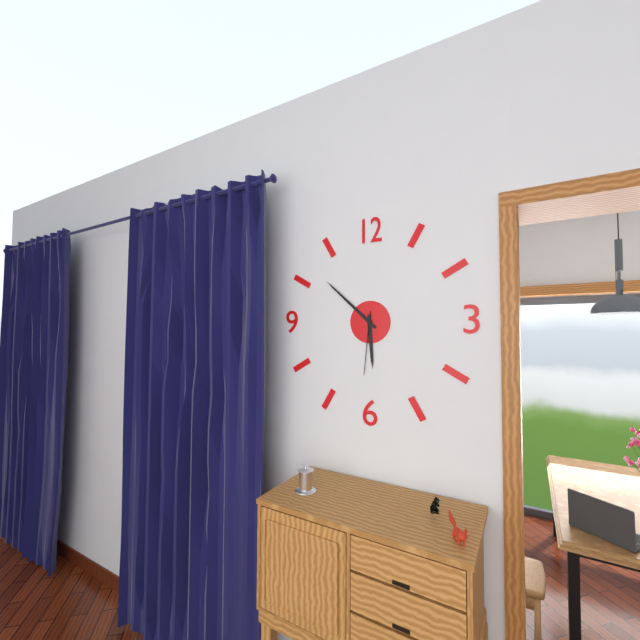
{"hour": 5, "minute": 52, "second": 31}
